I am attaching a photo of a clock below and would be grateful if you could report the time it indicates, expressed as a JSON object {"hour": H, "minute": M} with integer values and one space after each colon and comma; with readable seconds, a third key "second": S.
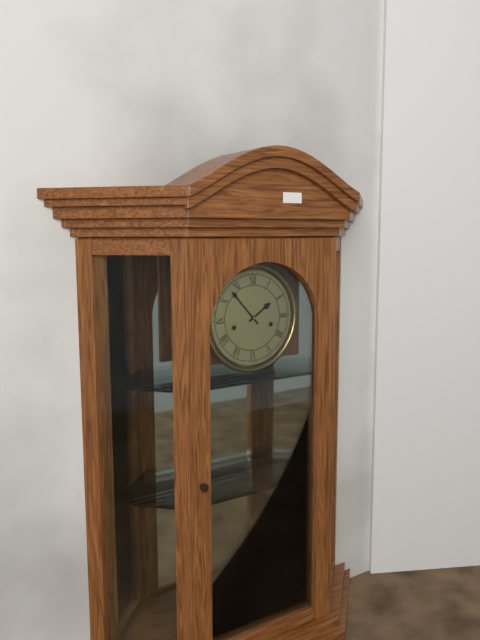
{"hour": 1, "minute": 53}
